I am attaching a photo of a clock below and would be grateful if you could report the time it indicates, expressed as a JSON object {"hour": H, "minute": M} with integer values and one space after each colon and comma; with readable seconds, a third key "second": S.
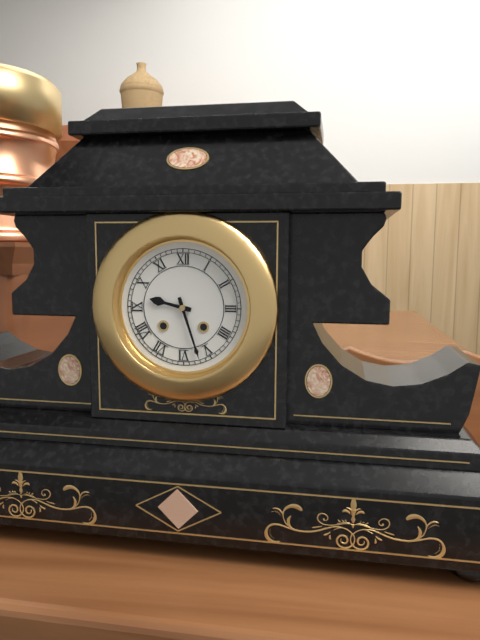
{"hour": 9, "minute": 27}
